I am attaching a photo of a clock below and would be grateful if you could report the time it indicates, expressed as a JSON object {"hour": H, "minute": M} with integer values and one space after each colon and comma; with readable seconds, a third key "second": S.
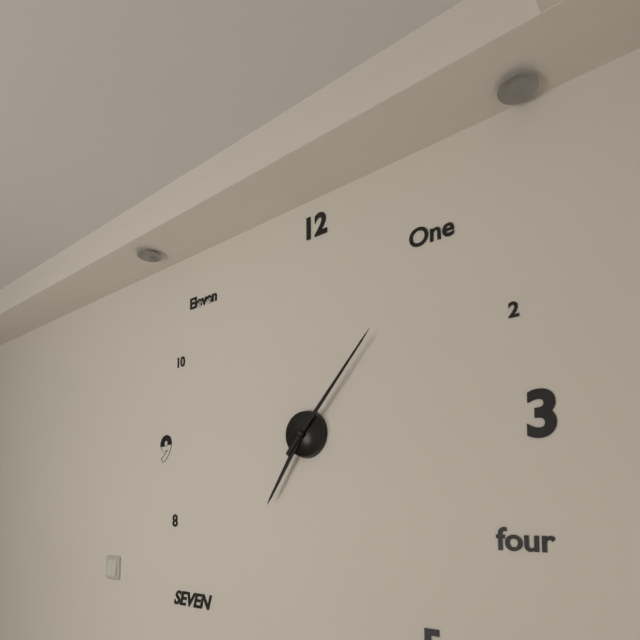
{"hour": 7, "minute": 7}
